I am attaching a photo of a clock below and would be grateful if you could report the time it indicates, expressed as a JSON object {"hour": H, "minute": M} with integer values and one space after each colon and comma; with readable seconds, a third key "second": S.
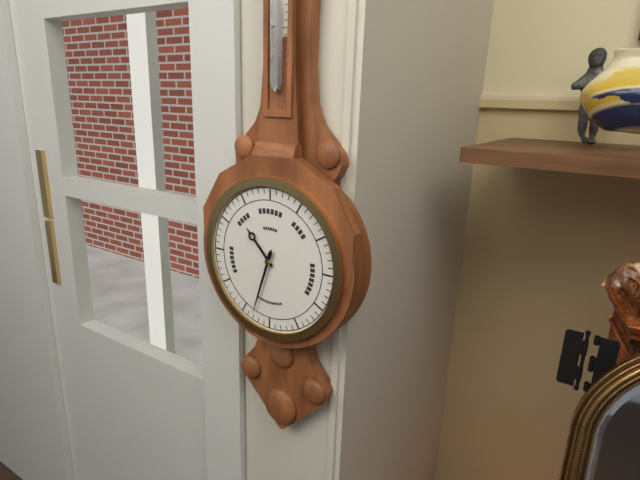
{"hour": 10, "minute": 33}
